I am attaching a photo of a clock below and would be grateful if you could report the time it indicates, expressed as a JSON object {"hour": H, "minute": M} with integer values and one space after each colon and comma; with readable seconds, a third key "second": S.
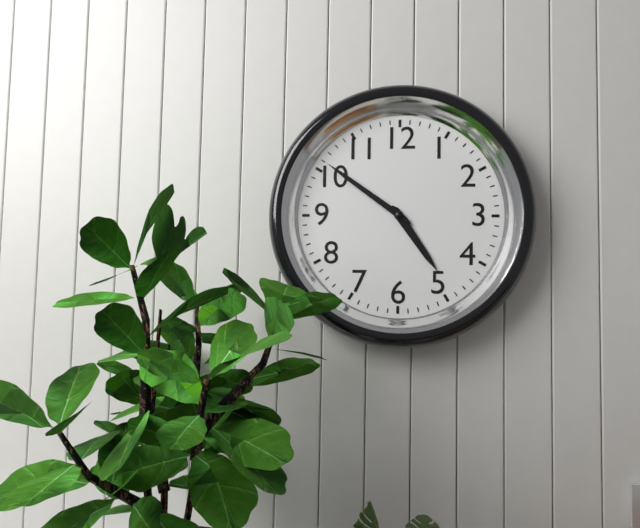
{"hour": 4, "minute": 51}
